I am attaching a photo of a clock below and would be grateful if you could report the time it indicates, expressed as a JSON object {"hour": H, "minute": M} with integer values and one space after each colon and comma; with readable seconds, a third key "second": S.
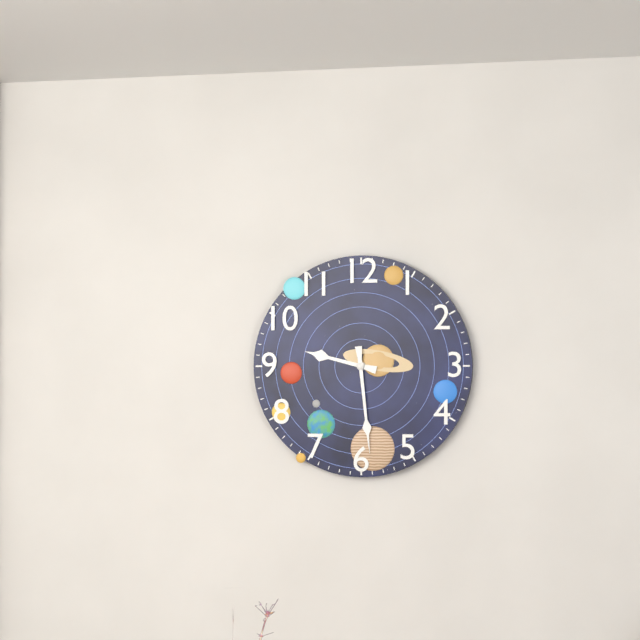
{"hour": 9, "minute": 29}
